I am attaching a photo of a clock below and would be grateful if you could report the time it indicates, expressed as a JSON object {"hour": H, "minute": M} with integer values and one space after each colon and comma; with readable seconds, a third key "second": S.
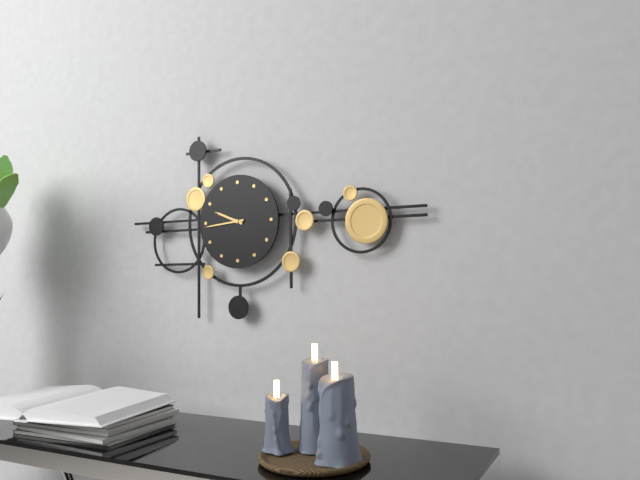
{"hour": 9, "minute": 44}
